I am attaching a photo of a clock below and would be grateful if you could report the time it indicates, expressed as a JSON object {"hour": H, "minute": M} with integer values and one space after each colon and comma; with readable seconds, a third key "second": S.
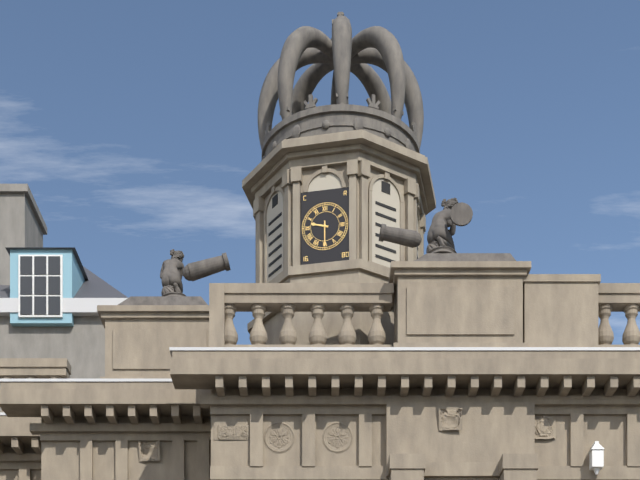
{"hour": 9, "minute": 30}
